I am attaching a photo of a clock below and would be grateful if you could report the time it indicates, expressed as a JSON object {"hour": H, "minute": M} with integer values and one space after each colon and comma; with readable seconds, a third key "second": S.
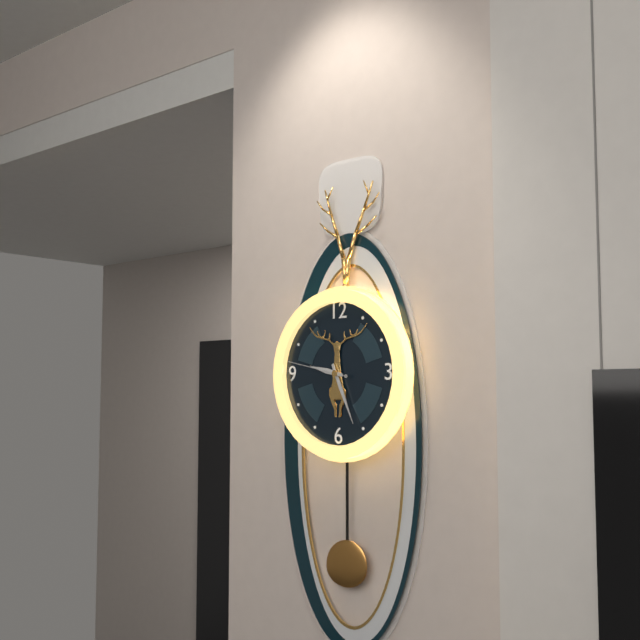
{"hour": 9, "minute": 26, "second": 47}
